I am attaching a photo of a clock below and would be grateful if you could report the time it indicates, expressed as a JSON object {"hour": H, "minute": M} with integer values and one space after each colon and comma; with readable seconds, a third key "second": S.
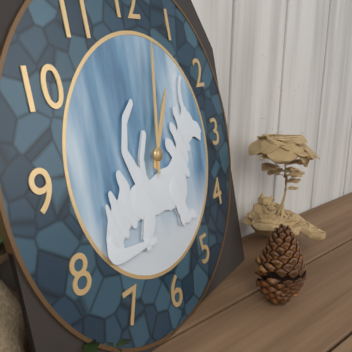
{"hour": 1, "minute": 2}
